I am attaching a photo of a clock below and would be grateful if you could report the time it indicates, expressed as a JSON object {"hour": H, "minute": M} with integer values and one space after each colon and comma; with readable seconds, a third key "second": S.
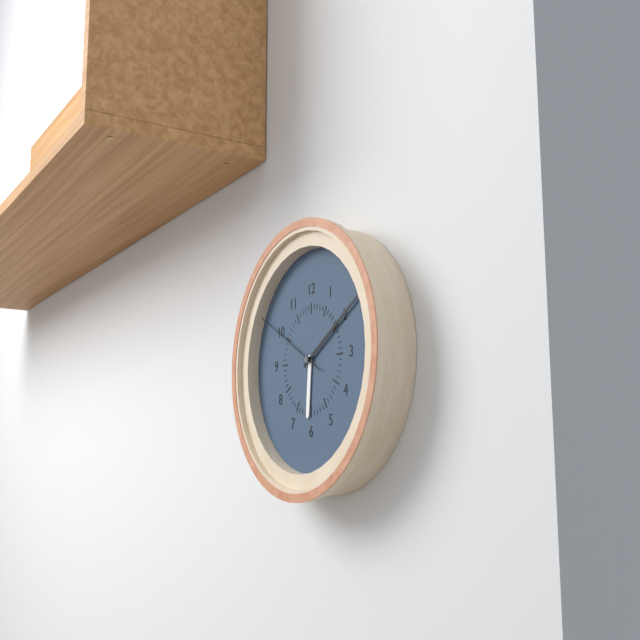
{"hour": 6, "minute": 10, "second": 50}
